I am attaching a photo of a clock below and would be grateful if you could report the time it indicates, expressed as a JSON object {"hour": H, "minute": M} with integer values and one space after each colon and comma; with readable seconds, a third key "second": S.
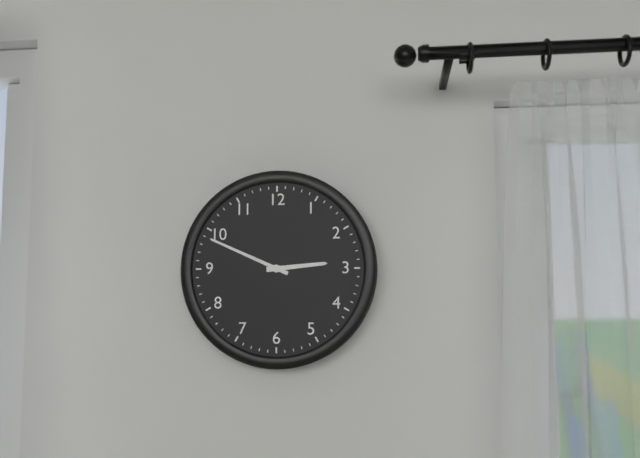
{"hour": 2, "minute": 49}
